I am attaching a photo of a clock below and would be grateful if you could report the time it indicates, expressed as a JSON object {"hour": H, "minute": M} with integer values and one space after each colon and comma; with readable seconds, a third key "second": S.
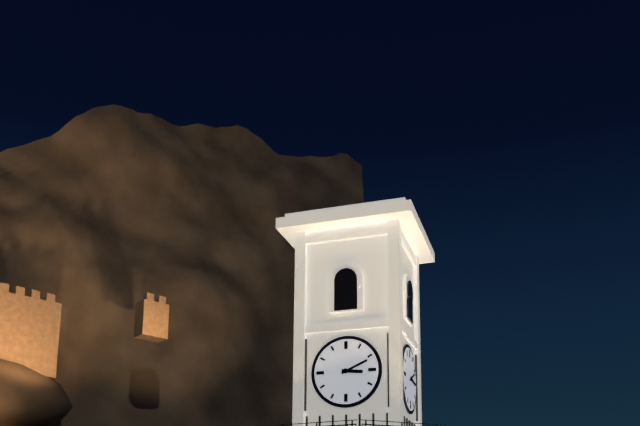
{"hour": 3, "minute": 11}
